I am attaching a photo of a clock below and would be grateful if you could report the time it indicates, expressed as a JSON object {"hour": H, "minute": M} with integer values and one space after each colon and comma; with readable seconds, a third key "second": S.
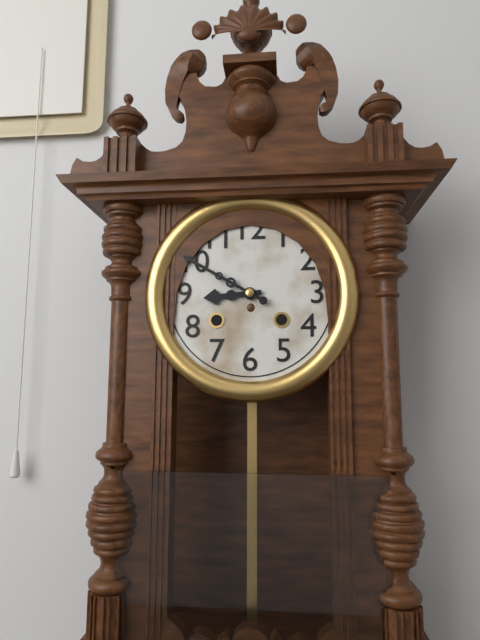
{"hour": 8, "minute": 50}
